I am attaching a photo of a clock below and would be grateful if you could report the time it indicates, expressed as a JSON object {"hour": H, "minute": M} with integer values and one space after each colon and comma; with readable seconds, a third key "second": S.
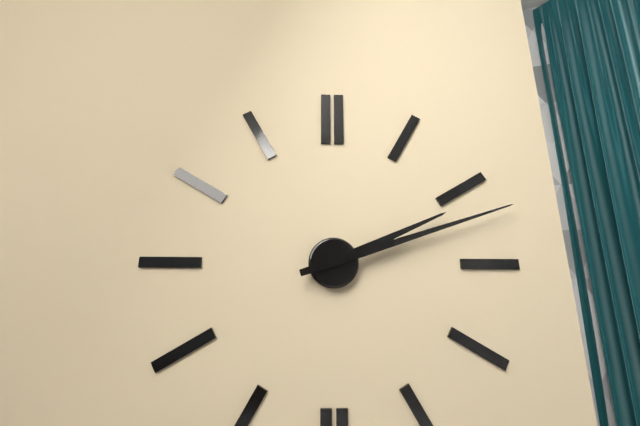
{"hour": 2, "minute": 12}
